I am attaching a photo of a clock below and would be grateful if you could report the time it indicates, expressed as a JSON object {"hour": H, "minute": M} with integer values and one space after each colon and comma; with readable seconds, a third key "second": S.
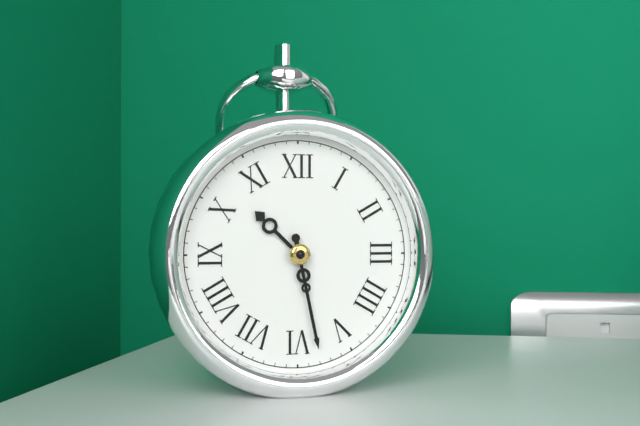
{"hour": 10, "minute": 28}
